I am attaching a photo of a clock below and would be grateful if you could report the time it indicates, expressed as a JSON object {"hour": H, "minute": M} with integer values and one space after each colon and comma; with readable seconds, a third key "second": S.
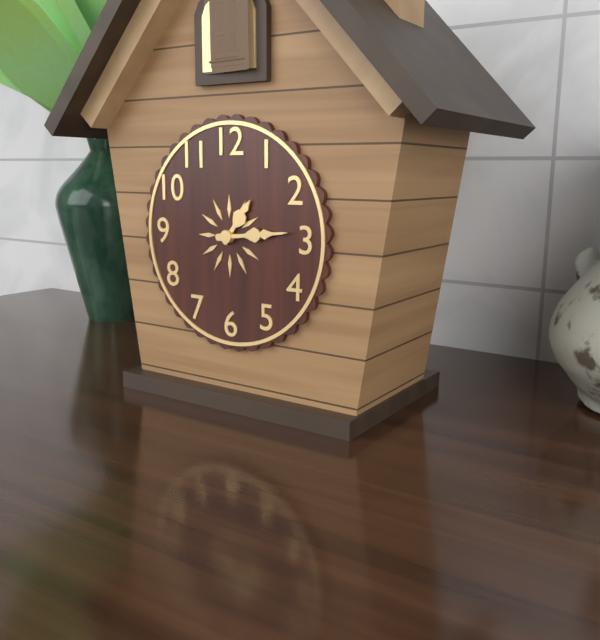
{"hour": 1, "minute": 14}
